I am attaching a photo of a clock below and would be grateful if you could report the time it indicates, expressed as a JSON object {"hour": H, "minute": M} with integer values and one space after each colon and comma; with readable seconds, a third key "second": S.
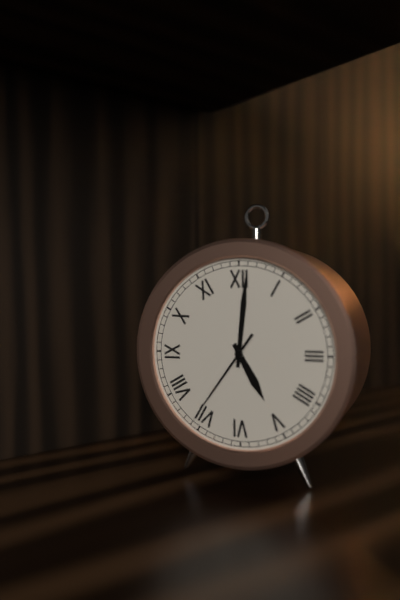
{"hour": 5, "minute": 1, "second": 36}
